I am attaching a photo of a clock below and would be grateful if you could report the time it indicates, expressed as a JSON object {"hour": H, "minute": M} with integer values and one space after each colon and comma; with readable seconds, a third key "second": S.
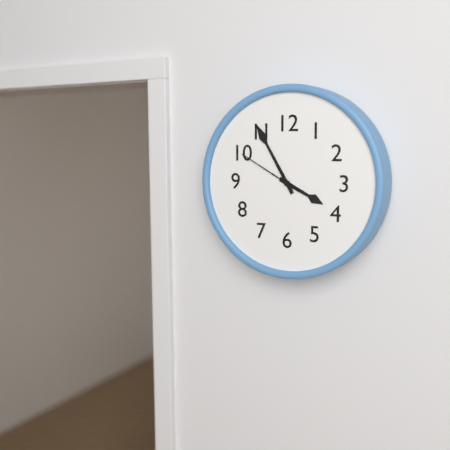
{"hour": 3, "minute": 55, "second": 50}
